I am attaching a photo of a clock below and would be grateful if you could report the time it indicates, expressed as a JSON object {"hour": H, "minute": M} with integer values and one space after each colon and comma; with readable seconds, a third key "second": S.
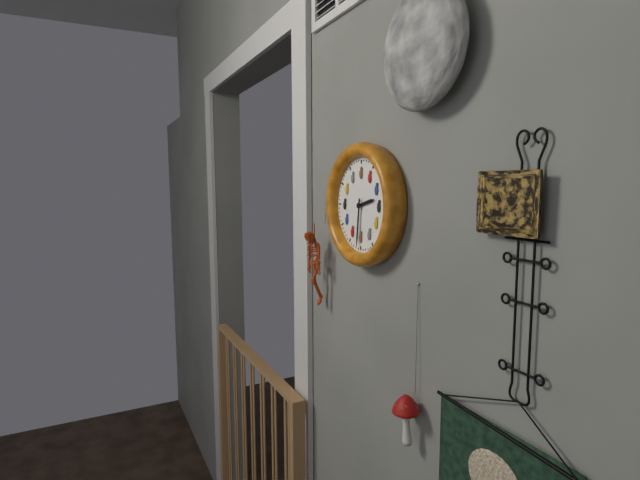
{"hour": 2, "minute": 31}
